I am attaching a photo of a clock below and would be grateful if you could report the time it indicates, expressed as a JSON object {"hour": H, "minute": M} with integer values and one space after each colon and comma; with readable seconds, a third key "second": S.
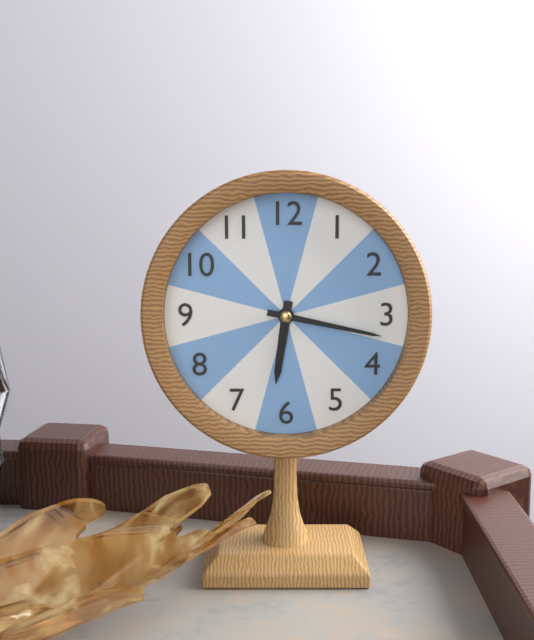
{"hour": 6, "minute": 17}
